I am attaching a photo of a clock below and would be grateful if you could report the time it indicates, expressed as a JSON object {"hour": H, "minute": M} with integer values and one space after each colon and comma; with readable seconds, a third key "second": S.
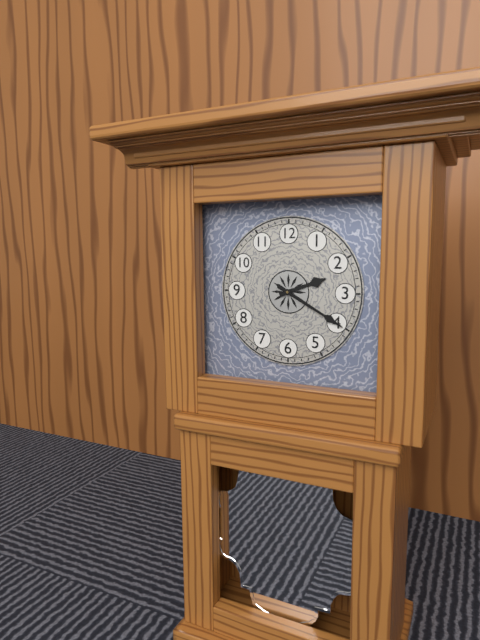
{"hour": 2, "minute": 20}
